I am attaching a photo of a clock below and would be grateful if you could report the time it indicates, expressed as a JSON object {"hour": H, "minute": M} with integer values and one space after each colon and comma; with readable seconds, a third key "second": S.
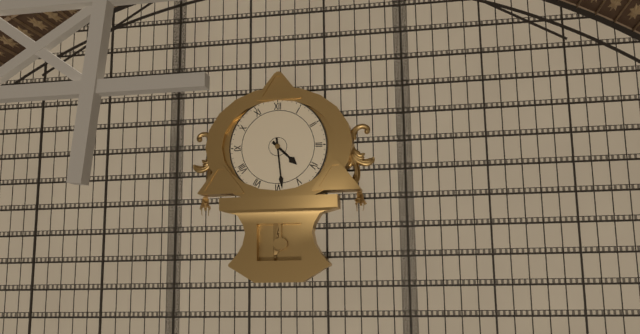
{"hour": 4, "minute": 29}
